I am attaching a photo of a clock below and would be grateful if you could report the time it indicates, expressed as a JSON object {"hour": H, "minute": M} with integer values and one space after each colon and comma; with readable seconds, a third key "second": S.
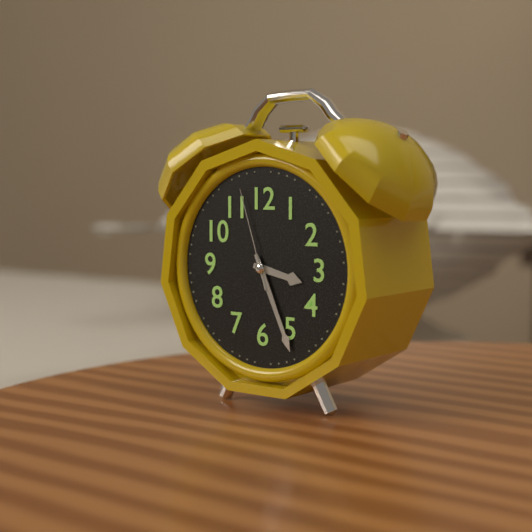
{"hour": 3, "minute": 26, "second": 57}
